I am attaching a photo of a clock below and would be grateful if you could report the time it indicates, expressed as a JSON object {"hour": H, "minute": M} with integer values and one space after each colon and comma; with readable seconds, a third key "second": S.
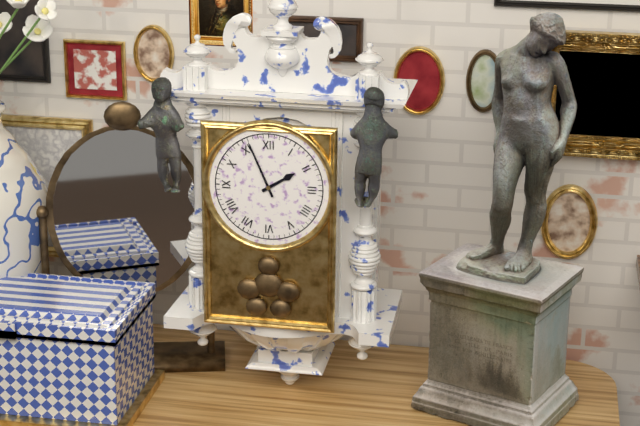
{"hour": 1, "minute": 56}
